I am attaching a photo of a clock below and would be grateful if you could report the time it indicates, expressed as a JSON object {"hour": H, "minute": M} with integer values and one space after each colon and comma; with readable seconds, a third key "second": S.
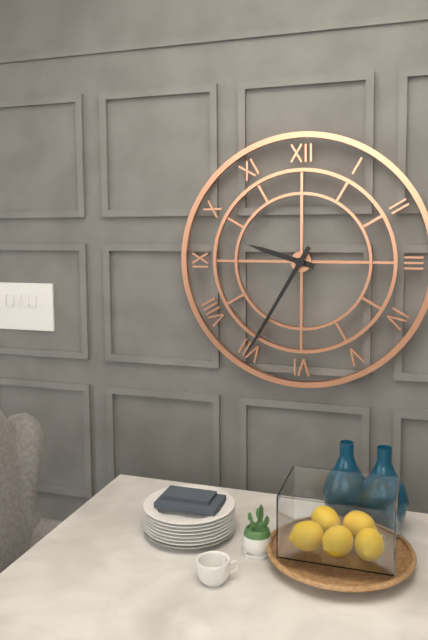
{"hour": 9, "minute": 35}
